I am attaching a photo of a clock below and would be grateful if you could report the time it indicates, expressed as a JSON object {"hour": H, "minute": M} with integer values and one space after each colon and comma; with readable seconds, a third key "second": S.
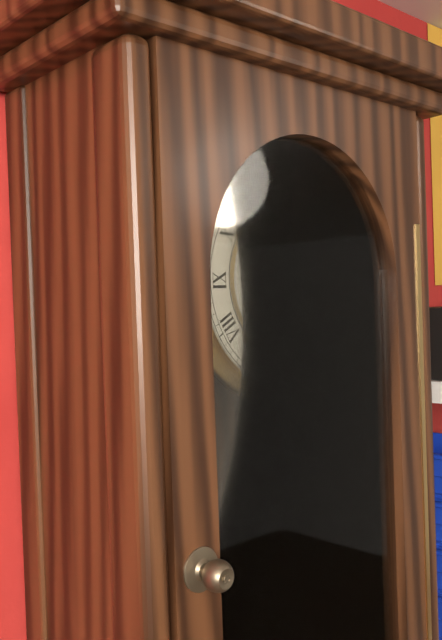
{"hour": 1, "minute": 0}
